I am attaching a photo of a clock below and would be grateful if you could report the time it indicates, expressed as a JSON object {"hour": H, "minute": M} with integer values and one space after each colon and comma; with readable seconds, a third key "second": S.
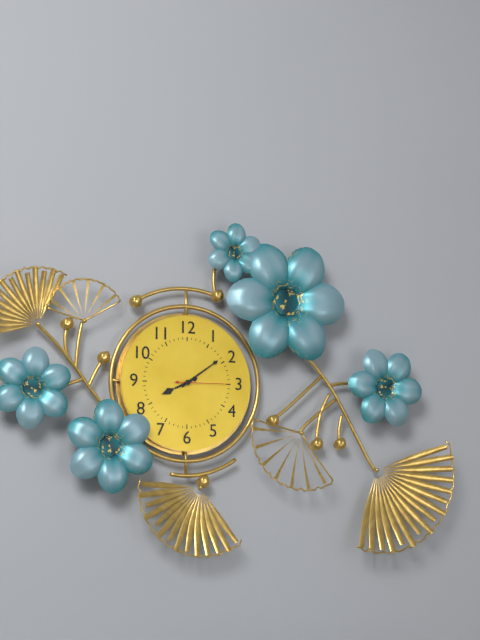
{"hour": 8, "minute": 9, "second": 15}
